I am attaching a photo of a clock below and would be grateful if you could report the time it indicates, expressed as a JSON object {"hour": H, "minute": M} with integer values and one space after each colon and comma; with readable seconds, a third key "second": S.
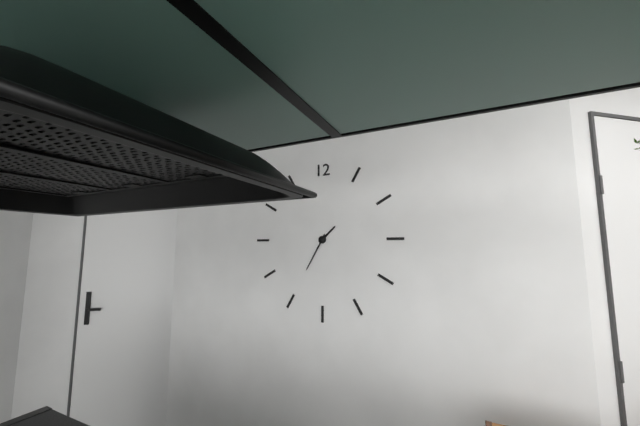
{"hour": 1, "minute": 35}
